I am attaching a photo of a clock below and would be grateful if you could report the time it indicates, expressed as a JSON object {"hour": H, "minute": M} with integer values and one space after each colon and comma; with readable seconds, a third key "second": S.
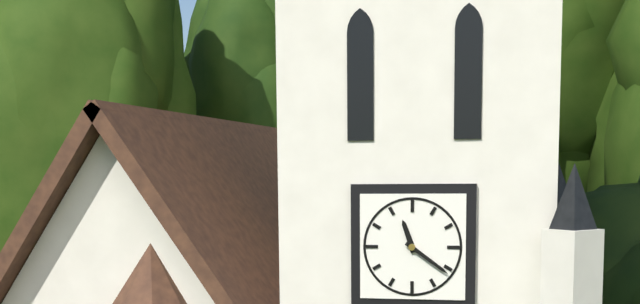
{"hour": 11, "minute": 21}
